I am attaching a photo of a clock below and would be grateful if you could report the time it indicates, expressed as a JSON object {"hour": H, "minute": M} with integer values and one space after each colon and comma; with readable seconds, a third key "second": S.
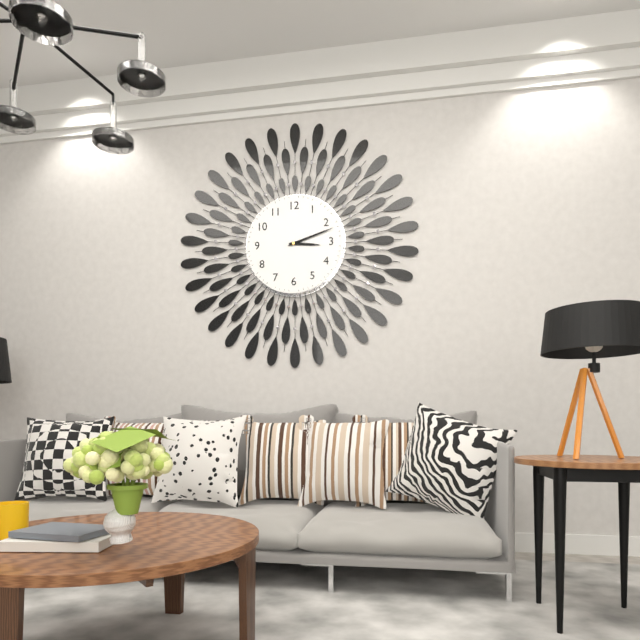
{"hour": 3, "minute": 12}
